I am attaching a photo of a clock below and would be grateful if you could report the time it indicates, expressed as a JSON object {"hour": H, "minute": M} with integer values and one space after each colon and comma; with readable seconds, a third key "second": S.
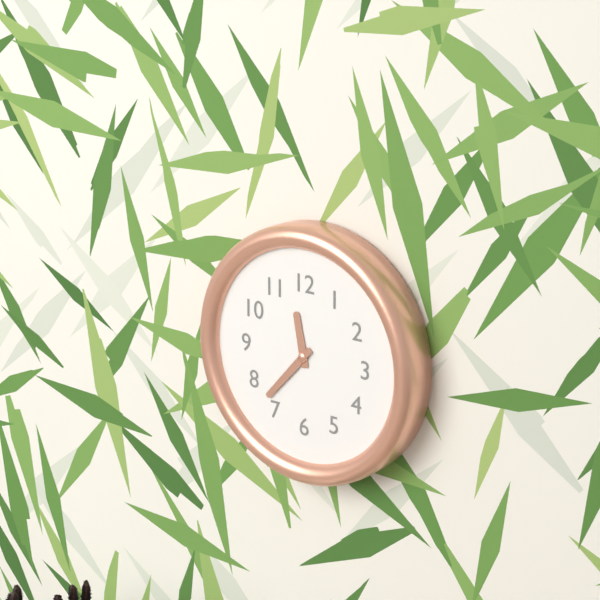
{"hour": 11, "minute": 37}
